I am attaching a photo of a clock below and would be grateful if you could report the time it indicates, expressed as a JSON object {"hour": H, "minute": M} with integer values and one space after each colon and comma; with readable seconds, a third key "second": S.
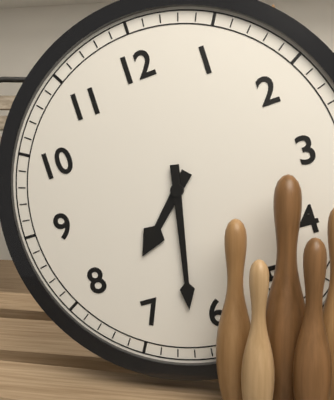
{"hour": 7, "minute": 32}
